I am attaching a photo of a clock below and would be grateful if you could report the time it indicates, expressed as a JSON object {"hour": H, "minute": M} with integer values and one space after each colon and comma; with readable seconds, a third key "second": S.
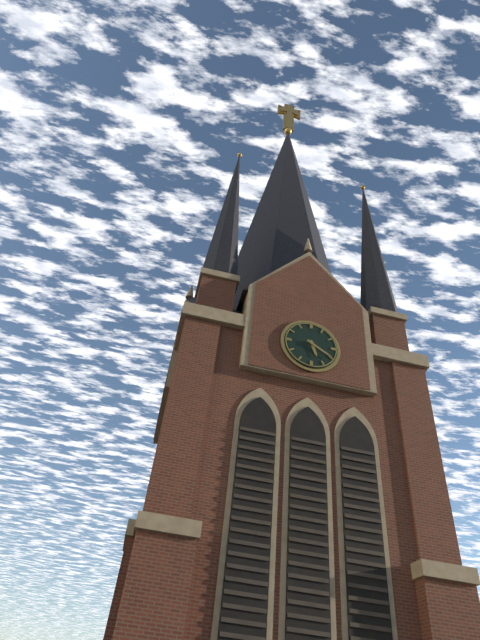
{"hour": 5, "minute": 20}
